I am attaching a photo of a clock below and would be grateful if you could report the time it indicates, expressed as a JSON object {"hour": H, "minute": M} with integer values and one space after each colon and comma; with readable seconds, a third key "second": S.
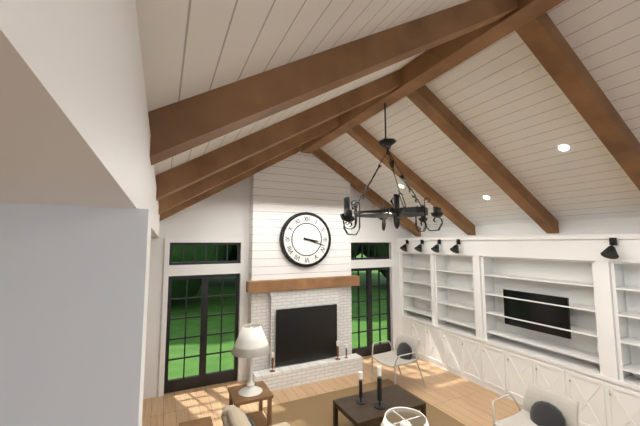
{"hour": 3, "minute": 18}
